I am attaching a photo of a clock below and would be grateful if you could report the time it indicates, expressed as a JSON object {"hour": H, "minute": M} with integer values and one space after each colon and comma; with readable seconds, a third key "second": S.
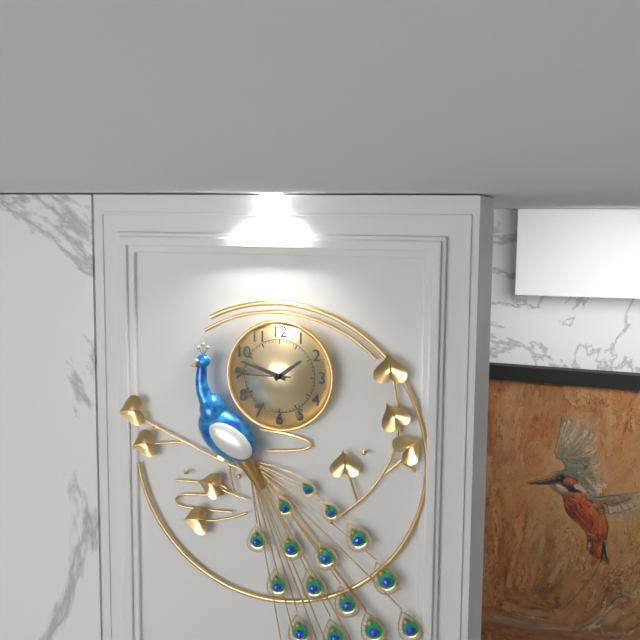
{"hour": 1, "minute": 48}
